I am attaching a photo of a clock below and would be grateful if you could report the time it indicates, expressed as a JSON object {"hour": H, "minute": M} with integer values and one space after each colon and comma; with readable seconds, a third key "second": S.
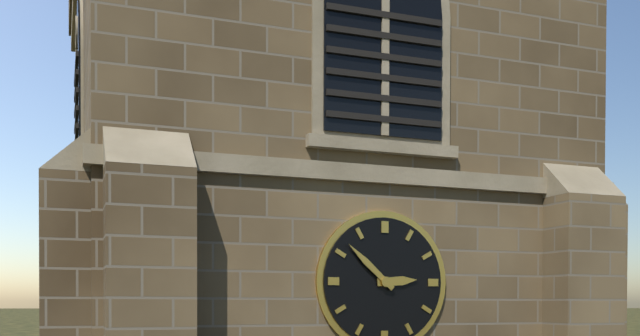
{"hour": 2, "minute": 52}
